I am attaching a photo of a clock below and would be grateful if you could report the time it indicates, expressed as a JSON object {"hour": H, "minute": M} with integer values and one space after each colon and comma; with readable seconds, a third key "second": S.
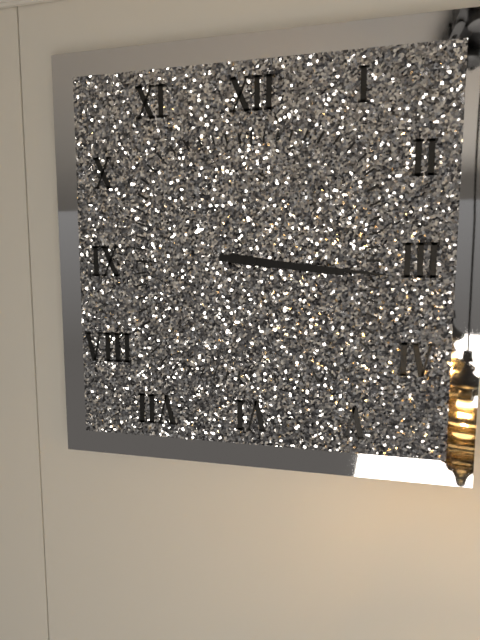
{"hour": 3, "minute": 16}
